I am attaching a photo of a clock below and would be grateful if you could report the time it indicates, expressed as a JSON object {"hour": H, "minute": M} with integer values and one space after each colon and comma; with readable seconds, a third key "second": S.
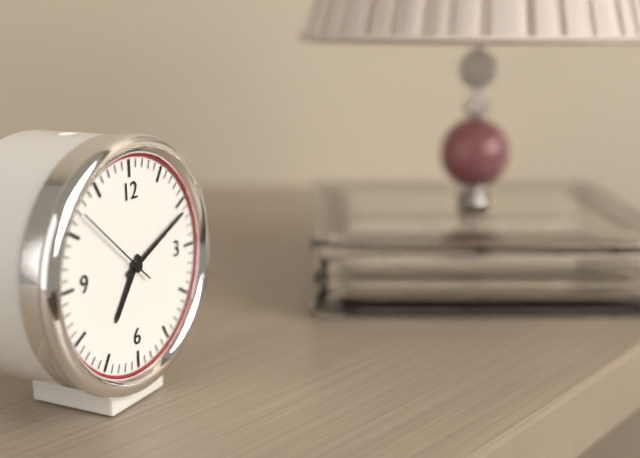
{"hour": 7, "minute": 11, "second": 52}
